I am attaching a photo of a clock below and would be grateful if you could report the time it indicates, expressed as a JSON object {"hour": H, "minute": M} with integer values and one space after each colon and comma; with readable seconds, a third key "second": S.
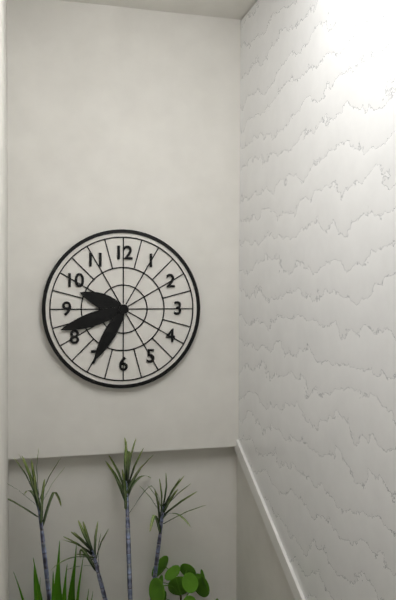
{"hour": 9, "minute": 42, "second": 35}
